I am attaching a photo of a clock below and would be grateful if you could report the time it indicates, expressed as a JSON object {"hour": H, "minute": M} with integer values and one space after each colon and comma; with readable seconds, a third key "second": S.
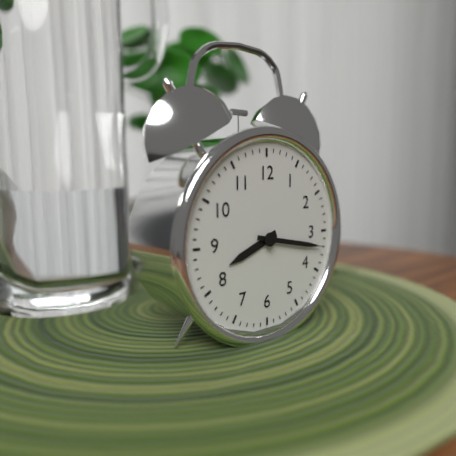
{"hour": 8, "minute": 17}
